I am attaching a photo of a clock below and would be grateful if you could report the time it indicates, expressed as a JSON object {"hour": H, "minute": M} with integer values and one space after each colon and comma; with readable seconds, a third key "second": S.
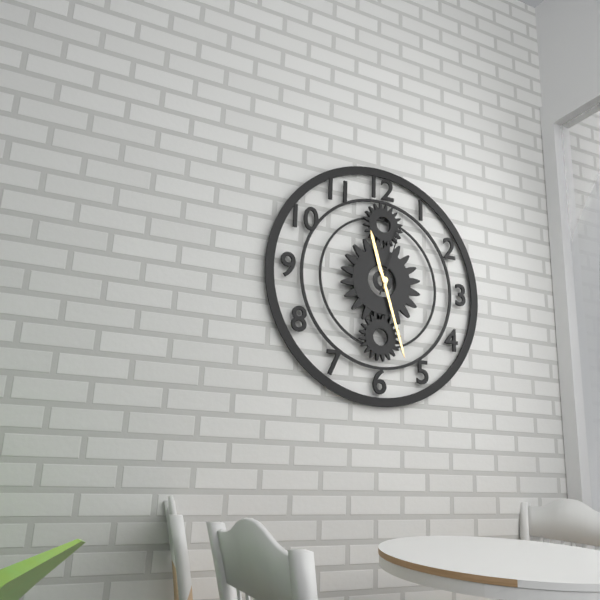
{"hour": 11, "minute": 27, "second": 3}
